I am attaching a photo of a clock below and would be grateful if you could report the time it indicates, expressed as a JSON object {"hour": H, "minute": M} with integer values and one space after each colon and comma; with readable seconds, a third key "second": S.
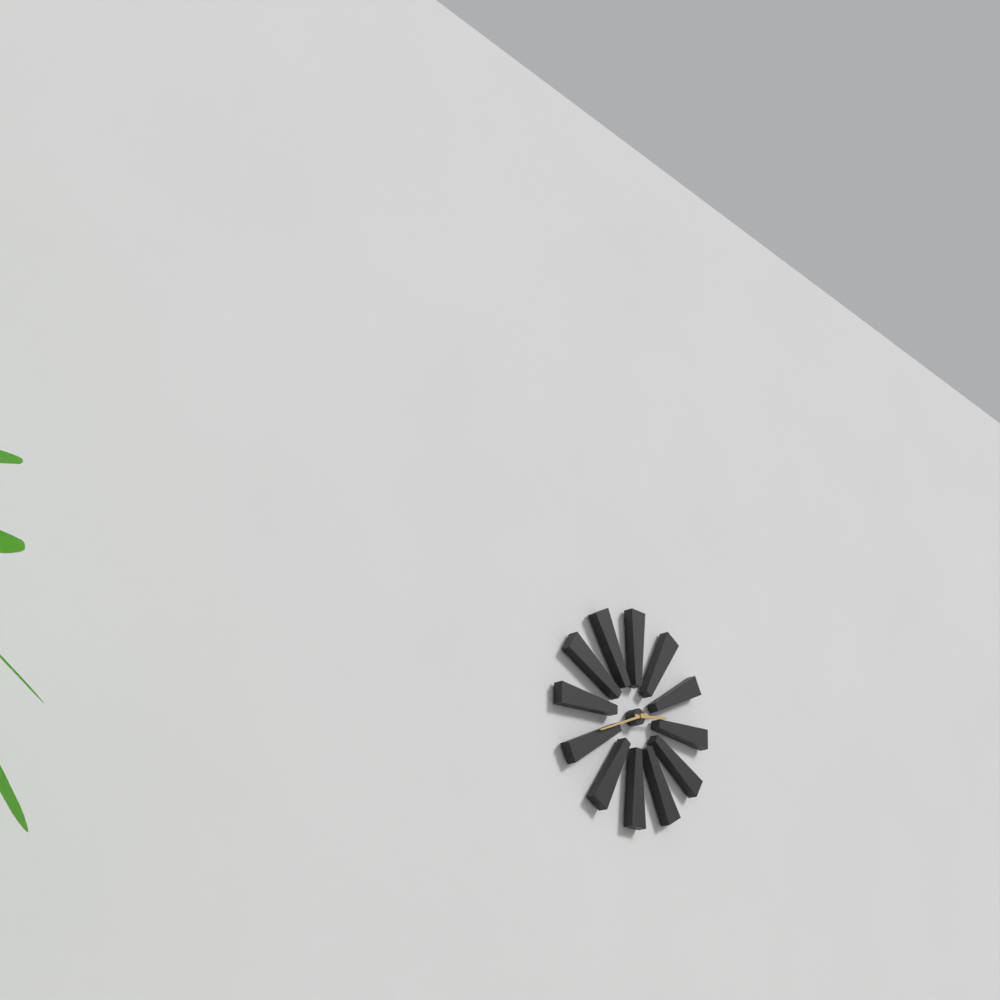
{"hour": 2, "minute": 41}
